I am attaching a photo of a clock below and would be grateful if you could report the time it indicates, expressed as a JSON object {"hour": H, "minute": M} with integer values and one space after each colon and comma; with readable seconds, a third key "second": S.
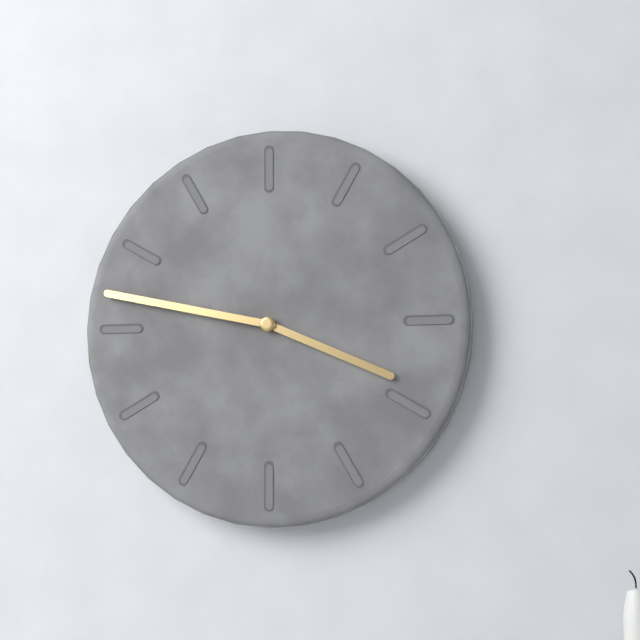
{"hour": 3, "minute": 47}
